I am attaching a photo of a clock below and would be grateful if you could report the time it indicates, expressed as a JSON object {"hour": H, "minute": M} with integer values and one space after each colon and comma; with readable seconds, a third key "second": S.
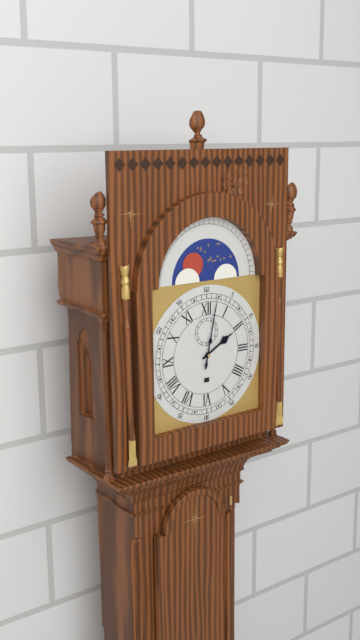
{"hour": 2, "minute": 2}
